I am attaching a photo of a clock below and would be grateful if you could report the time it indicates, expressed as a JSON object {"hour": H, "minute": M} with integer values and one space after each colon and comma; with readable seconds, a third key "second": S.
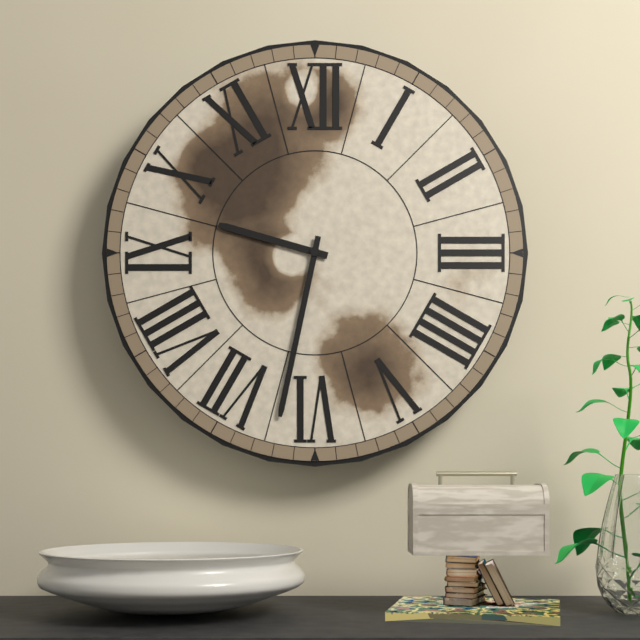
{"hour": 9, "minute": 32}
